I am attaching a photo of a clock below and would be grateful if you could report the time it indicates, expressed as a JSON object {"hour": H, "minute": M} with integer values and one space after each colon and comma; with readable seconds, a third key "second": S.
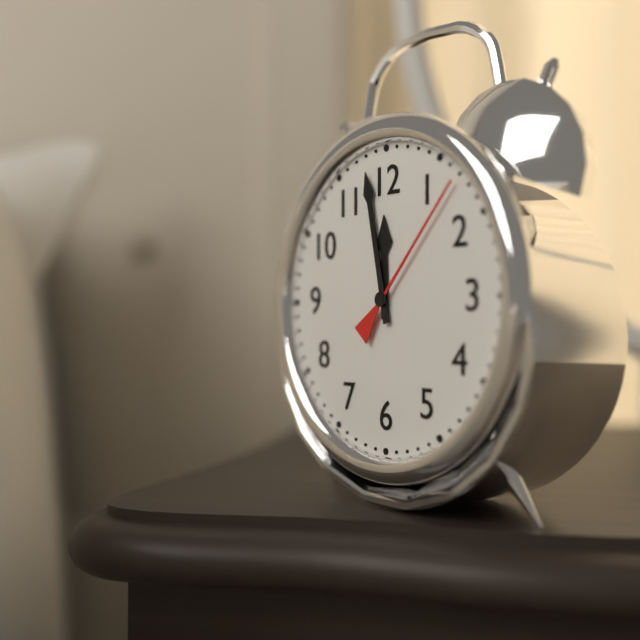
{"hour": 11, "minute": 58, "second": 7}
